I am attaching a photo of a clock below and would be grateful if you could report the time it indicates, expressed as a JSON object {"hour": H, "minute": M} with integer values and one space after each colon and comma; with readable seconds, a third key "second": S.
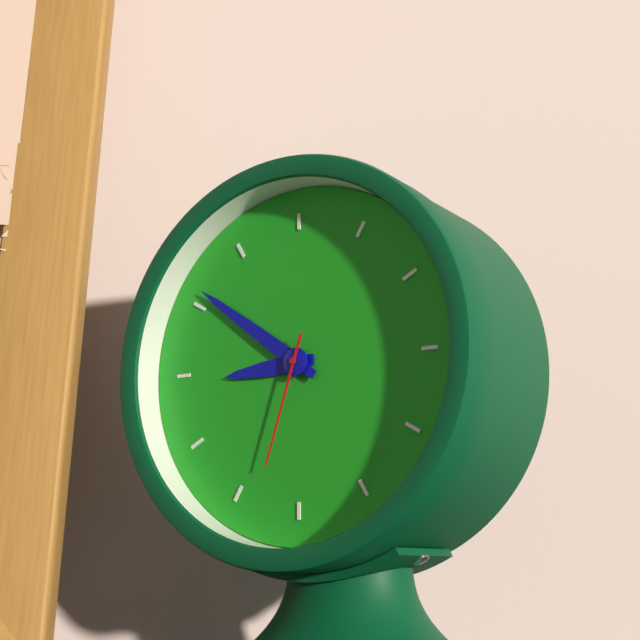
{"hour": 8, "minute": 51, "second": 33}
